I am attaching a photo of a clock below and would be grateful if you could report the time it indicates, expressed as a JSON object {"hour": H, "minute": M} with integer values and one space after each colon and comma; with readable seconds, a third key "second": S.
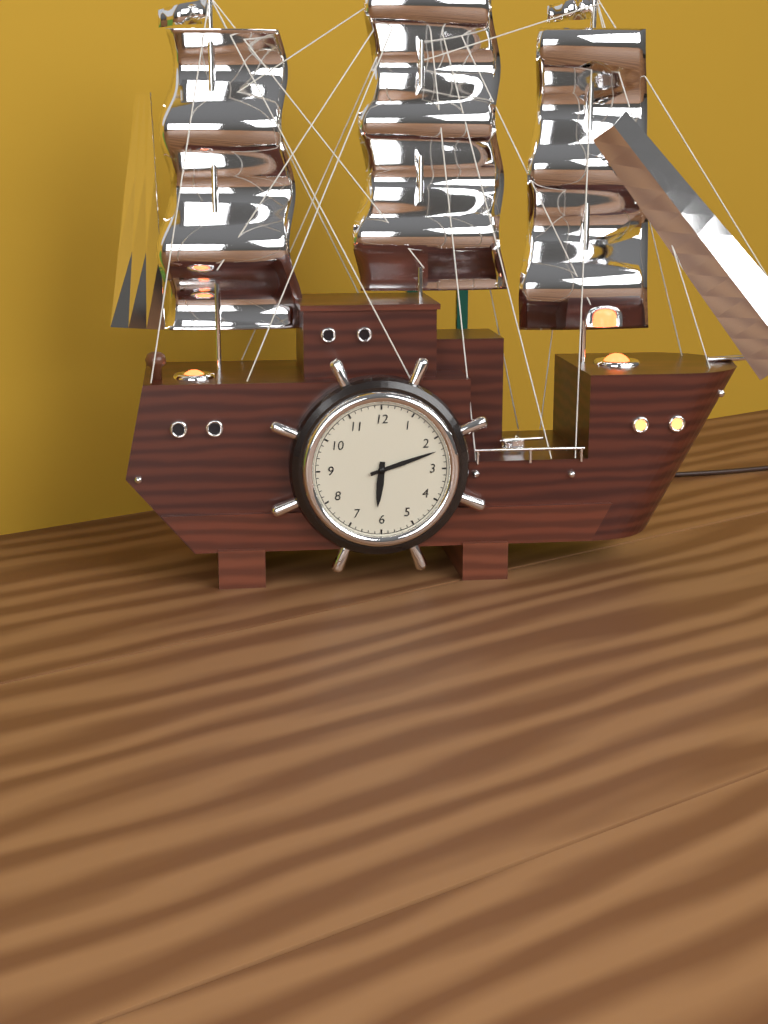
{"hour": 6, "minute": 12}
